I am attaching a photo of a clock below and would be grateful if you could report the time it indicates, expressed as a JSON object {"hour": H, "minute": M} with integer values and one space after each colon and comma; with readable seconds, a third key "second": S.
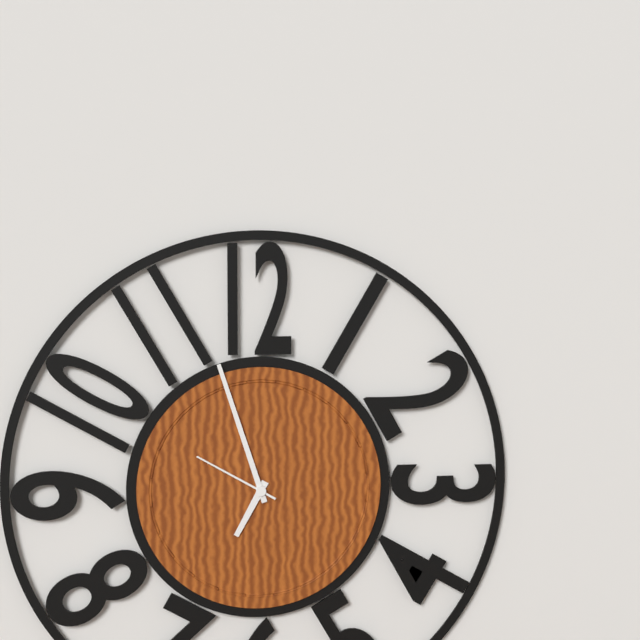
{"hour": 6, "minute": 57, "second": 50}
